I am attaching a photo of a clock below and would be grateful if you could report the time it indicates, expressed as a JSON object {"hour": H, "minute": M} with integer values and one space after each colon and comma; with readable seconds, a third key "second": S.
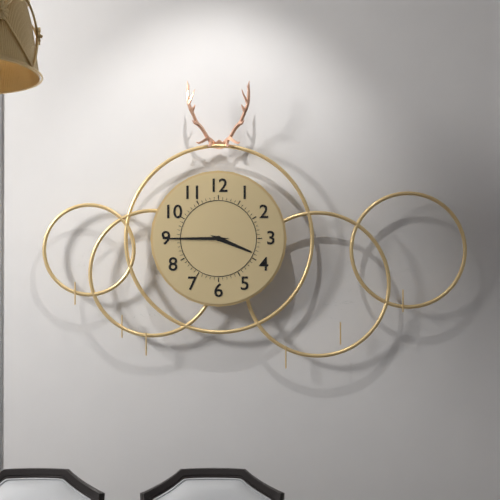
{"hour": 3, "minute": 45}
